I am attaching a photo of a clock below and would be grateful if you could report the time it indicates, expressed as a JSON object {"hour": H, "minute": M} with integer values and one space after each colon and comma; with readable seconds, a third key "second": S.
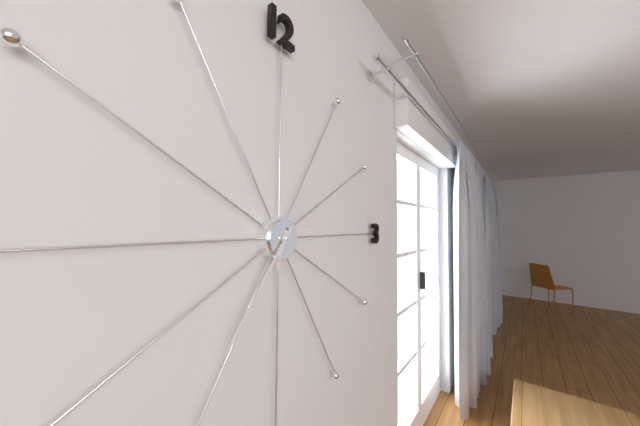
{"hour": 6, "minute": 36}
